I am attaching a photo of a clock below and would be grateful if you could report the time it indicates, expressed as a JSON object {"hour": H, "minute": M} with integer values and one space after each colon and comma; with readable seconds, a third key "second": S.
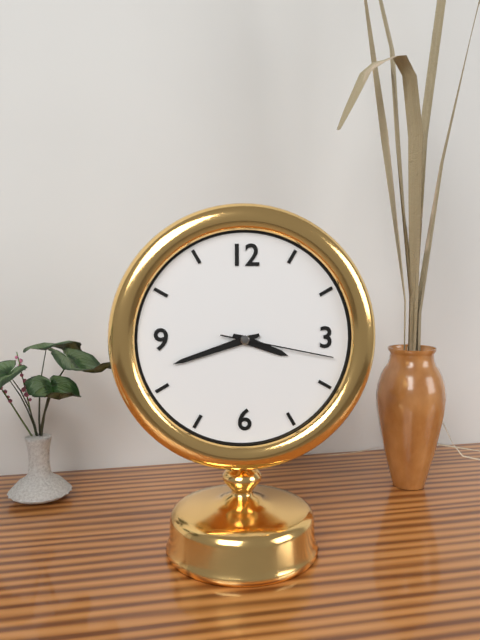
{"hour": 3, "minute": 42, "second": 17}
